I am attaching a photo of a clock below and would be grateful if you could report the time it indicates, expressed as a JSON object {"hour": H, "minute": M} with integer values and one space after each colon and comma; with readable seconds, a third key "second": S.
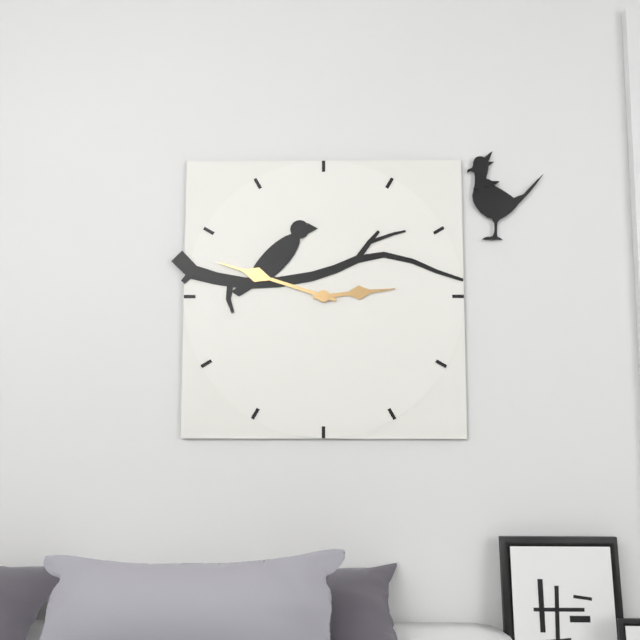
{"hour": 2, "minute": 48}
